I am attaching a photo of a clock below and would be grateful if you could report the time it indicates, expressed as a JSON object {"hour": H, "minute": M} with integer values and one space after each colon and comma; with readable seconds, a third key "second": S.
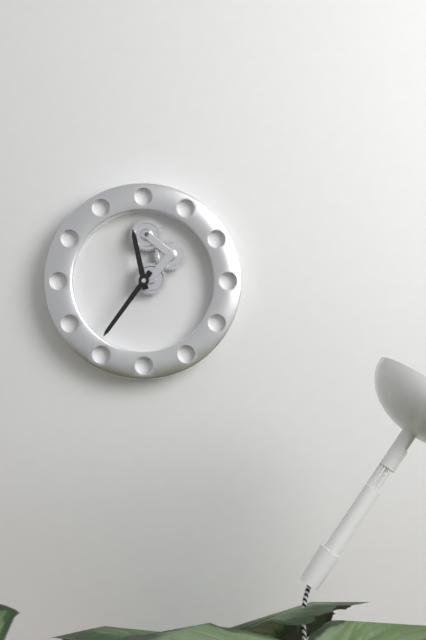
{"hour": 11, "minute": 36}
